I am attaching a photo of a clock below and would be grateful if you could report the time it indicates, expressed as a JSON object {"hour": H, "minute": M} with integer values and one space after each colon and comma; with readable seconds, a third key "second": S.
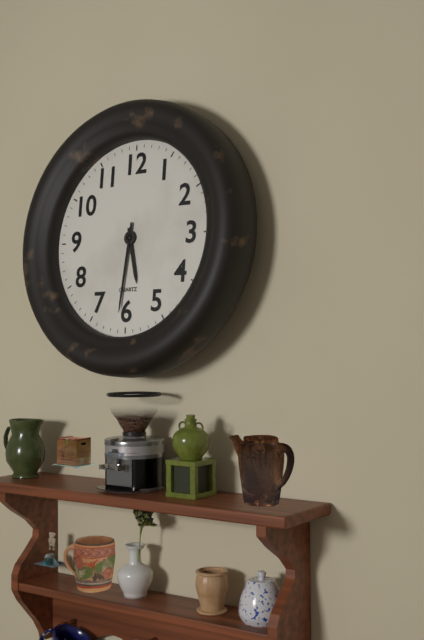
{"hour": 5, "minute": 31}
